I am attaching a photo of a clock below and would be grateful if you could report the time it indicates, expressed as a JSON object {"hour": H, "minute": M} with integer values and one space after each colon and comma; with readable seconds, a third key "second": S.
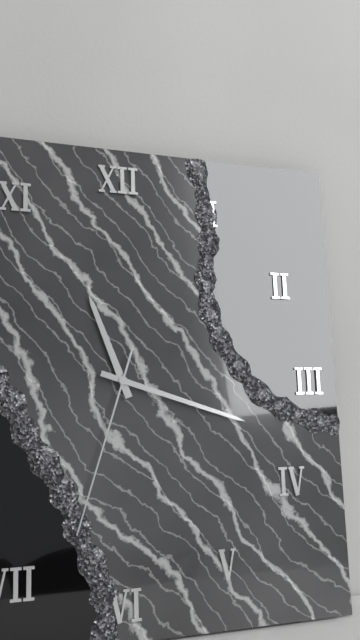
{"hour": 11, "minute": 18, "second": 33}
